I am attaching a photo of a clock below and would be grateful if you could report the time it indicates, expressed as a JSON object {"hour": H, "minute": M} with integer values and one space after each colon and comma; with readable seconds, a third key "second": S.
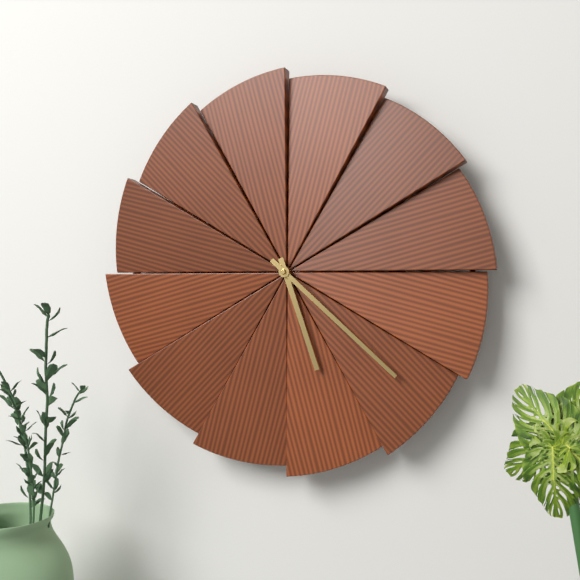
{"hour": 5, "minute": 22}
